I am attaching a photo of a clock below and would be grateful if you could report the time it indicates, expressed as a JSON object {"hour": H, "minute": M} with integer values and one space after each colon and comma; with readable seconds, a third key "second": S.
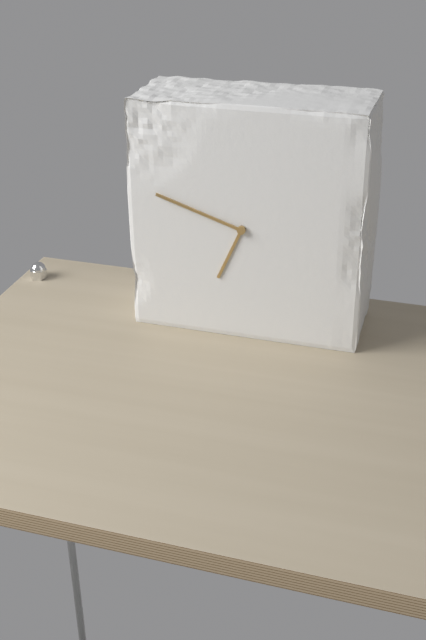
{"hour": 6, "minute": 48}
